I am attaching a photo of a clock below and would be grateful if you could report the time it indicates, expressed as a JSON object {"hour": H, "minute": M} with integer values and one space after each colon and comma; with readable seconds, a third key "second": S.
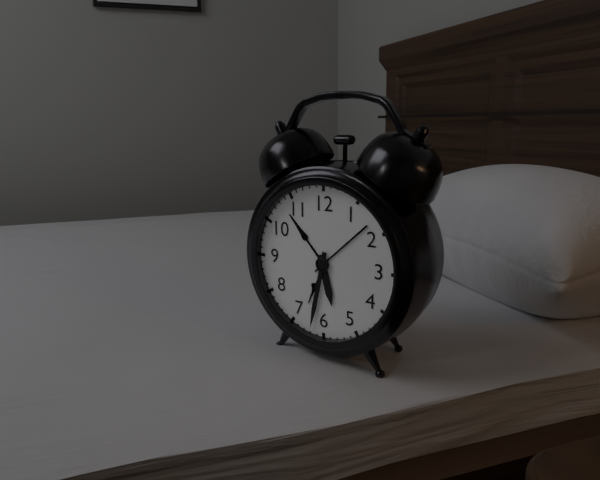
{"hour": 5, "minute": 32}
